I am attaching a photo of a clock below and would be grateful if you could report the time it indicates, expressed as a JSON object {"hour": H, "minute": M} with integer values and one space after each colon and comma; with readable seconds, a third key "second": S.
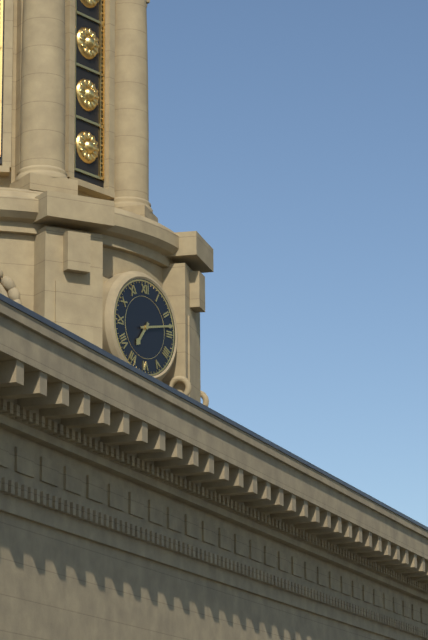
{"hour": 7, "minute": 13}
